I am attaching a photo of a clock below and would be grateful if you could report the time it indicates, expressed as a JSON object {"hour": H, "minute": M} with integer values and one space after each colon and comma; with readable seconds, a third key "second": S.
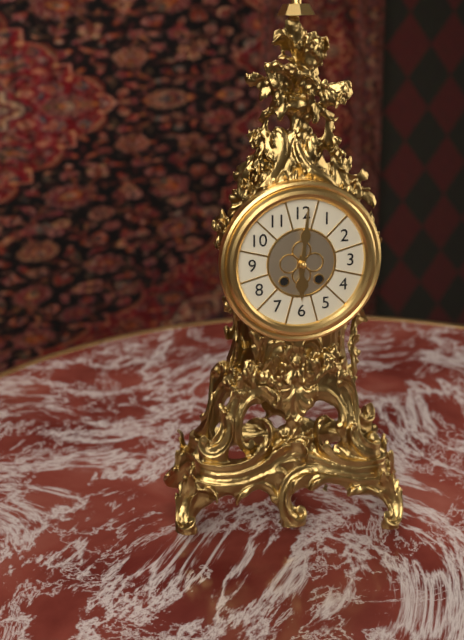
{"hour": 6, "minute": 1}
